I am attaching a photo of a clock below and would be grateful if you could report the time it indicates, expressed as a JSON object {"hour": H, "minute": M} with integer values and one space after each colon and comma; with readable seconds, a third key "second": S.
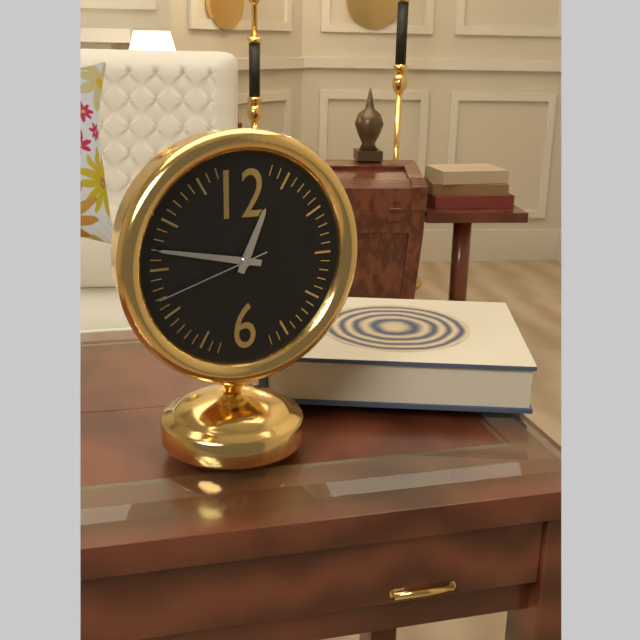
{"hour": 12, "minute": 47, "second": 42}
